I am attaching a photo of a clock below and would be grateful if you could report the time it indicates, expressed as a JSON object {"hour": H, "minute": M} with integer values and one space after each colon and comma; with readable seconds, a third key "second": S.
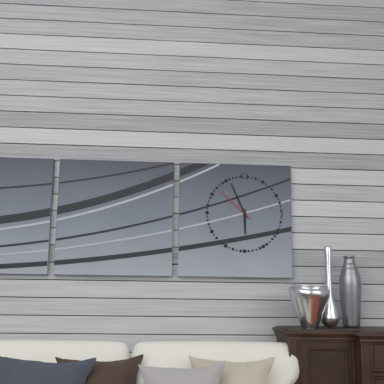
{"hour": 5, "minute": 56}
